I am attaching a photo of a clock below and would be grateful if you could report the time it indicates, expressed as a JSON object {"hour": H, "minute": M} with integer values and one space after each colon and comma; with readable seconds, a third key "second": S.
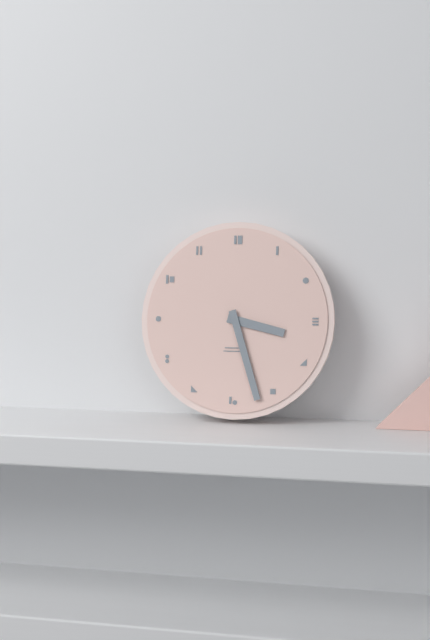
{"hour": 3, "minute": 27}
